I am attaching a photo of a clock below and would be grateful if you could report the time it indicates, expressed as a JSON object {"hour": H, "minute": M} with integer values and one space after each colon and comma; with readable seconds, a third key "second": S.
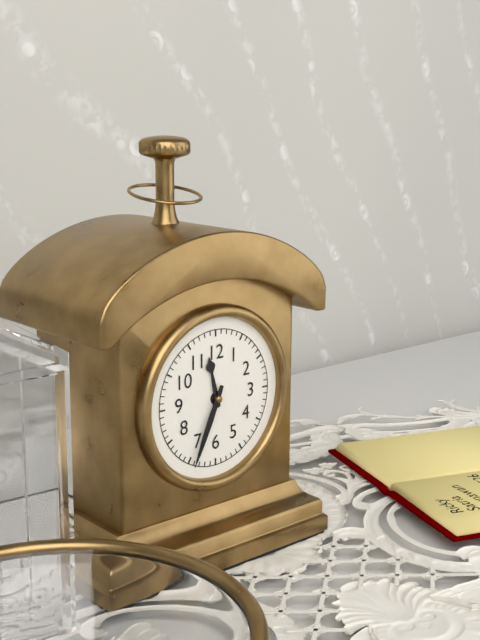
{"hour": 11, "minute": 34}
